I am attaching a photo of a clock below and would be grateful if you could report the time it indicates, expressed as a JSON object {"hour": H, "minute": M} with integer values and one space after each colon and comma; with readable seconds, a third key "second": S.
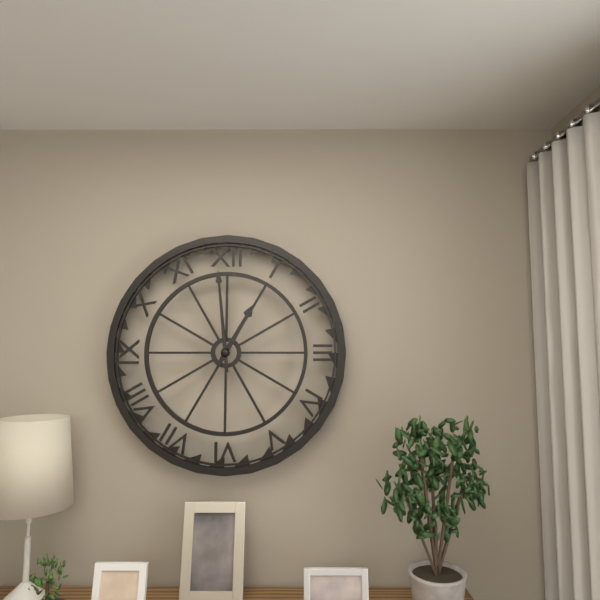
{"hour": 12, "minute": 59}
